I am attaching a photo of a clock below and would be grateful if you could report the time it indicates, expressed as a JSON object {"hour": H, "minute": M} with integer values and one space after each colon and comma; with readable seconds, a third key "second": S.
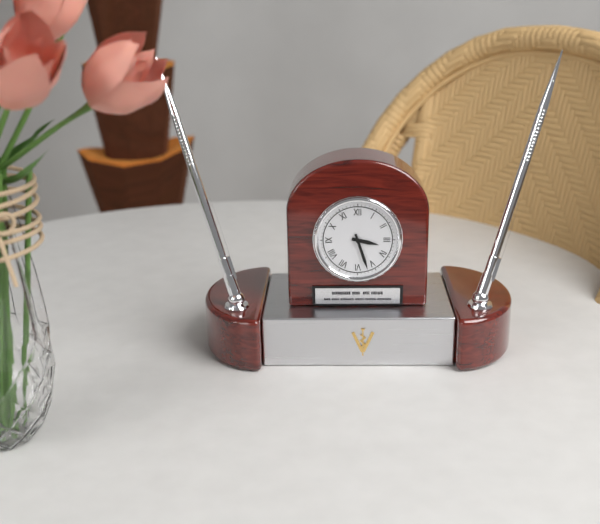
{"hour": 3, "minute": 27}
